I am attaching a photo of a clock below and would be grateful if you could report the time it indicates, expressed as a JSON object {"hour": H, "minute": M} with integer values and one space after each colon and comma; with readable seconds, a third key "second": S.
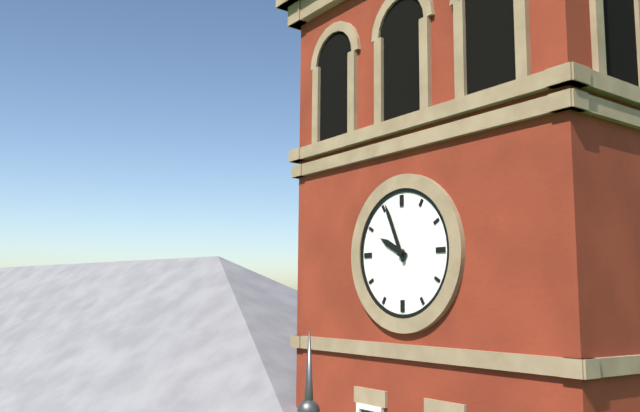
{"hour": 9, "minute": 56}
